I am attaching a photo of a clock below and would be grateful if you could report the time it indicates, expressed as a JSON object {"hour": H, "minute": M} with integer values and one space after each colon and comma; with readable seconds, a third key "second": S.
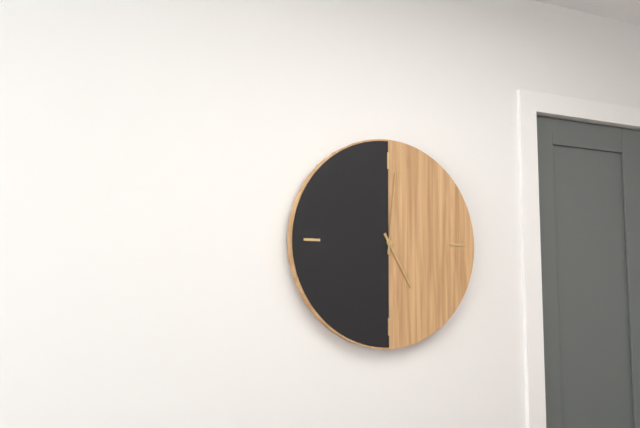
{"hour": 5, "minute": 1}
